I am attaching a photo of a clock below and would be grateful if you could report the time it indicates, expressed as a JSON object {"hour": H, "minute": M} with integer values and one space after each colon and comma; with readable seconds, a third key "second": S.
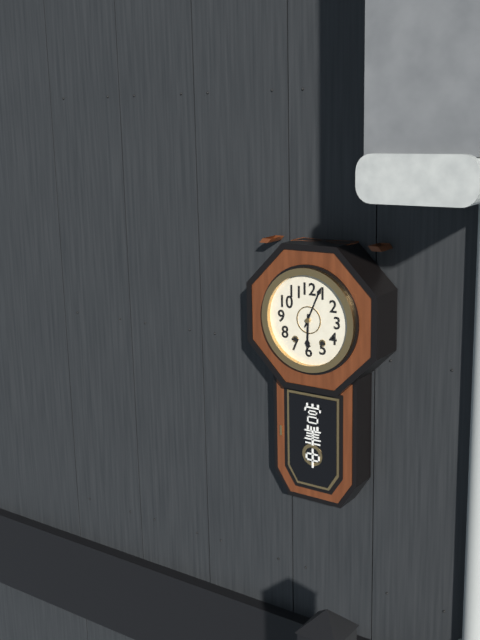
{"hour": 6, "minute": 4}
